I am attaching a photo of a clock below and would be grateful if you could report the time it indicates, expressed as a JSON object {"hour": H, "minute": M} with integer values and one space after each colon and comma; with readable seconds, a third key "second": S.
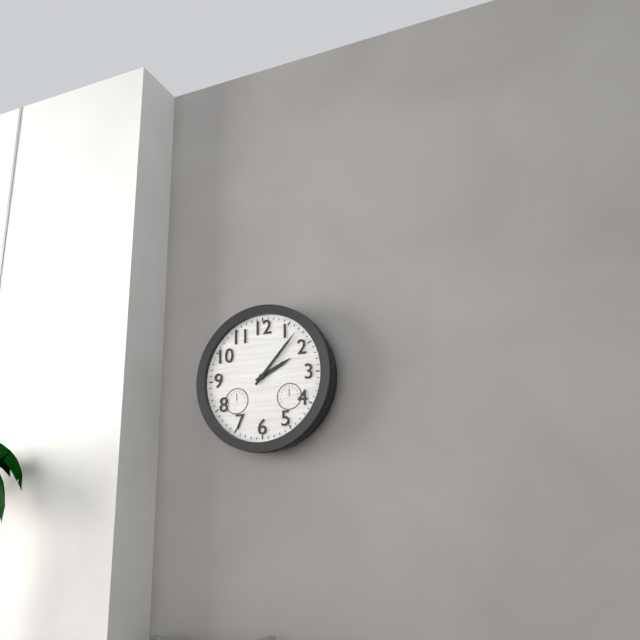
{"hour": 2, "minute": 7}
